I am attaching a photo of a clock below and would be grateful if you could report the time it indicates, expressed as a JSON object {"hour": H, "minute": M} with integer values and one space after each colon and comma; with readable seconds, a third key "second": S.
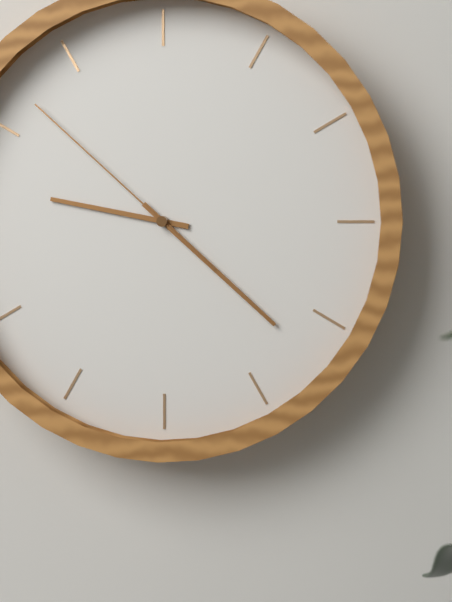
{"hour": 9, "minute": 22, "second": 52}
